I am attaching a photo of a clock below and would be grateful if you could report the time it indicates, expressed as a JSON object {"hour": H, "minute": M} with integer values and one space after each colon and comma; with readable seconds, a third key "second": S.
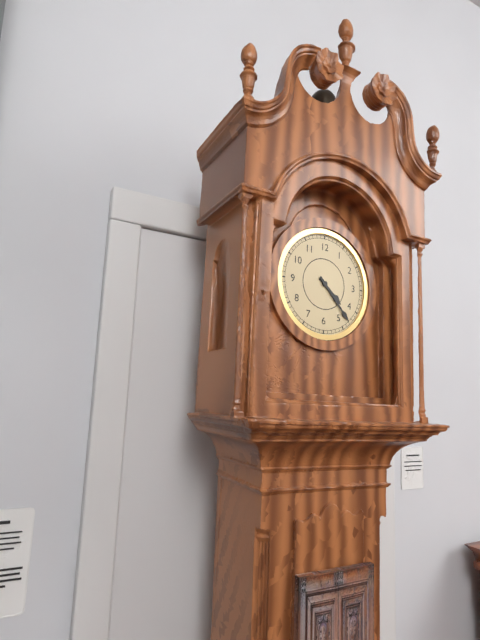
{"hour": 4, "minute": 23}
